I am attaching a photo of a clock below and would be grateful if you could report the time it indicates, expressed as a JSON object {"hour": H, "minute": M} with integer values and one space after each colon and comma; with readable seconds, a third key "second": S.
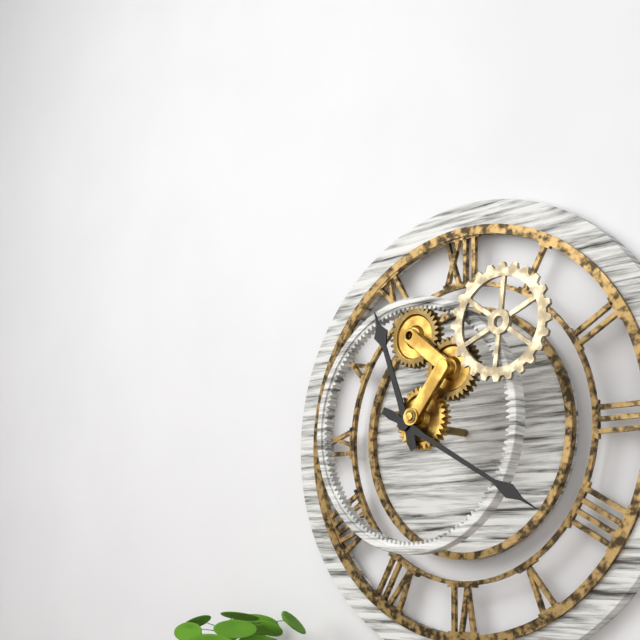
{"hour": 11, "minute": 20}
